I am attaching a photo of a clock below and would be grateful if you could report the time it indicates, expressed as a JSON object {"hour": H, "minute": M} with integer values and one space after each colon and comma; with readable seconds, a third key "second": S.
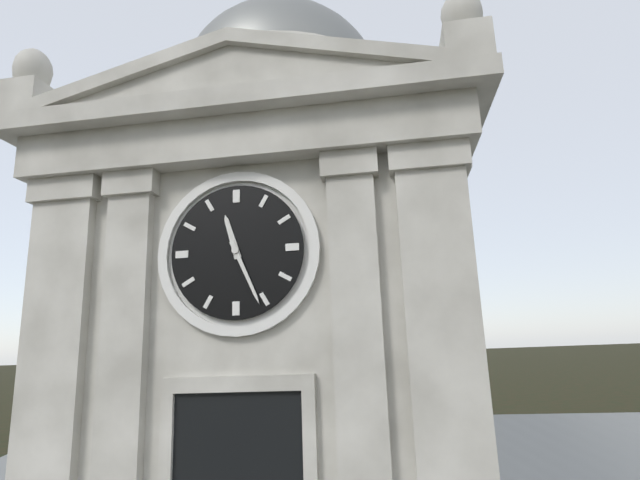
{"hour": 11, "minute": 26}
